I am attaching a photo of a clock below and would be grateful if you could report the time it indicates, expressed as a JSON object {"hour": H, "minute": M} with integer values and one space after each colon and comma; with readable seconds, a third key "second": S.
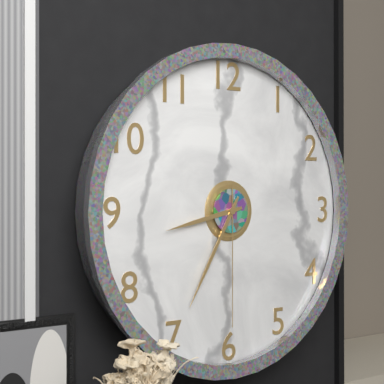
{"hour": 8, "minute": 35, "second": 30}
